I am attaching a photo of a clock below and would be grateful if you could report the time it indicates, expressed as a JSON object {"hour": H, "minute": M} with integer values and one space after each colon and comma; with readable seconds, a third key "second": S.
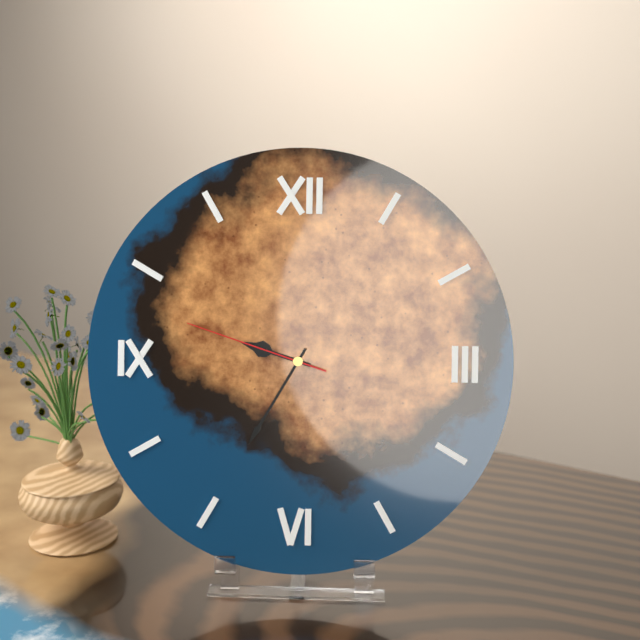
{"hour": 9, "minute": 35, "second": 48}
